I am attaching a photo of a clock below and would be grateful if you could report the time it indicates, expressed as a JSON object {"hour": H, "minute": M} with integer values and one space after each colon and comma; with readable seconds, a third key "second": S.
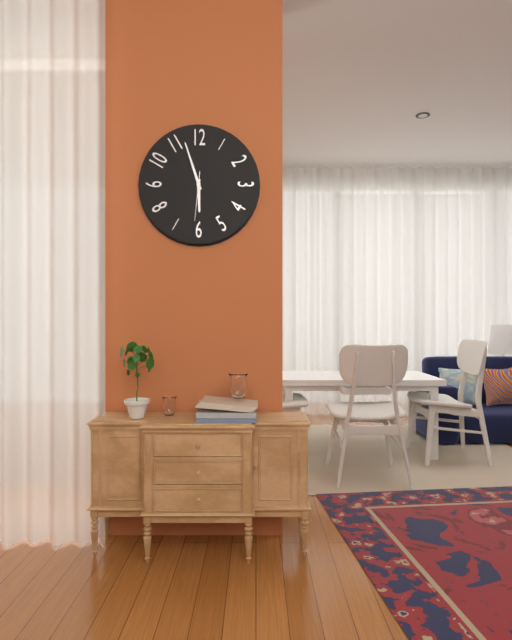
{"hour": 5, "minute": 57}
